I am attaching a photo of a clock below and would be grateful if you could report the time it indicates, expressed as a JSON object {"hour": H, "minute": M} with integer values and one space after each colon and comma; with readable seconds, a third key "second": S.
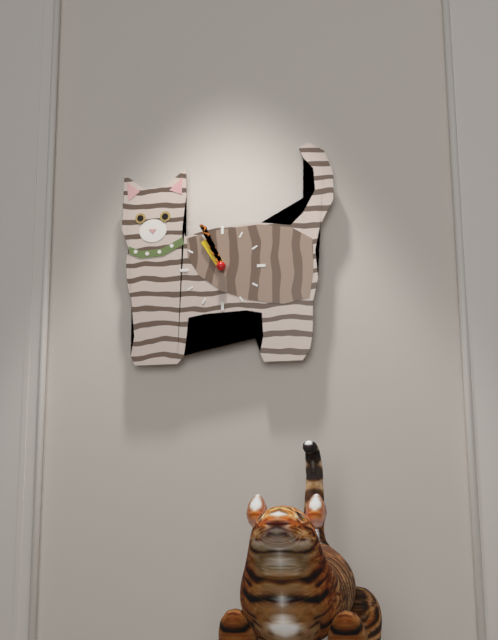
{"hour": 10, "minute": 56}
